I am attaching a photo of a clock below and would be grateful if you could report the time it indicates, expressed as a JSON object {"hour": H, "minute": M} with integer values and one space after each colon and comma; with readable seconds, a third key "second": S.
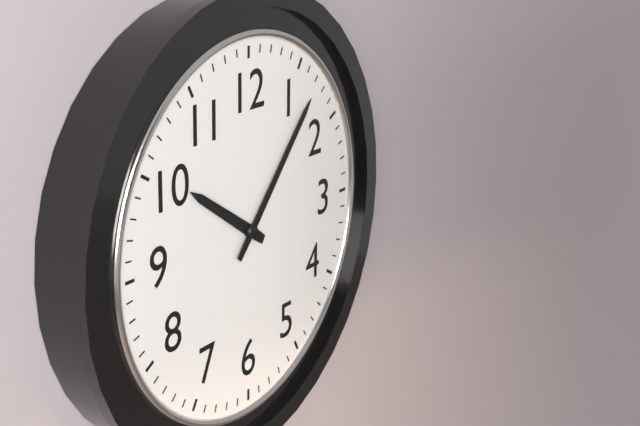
{"hour": 10, "minute": 7}
